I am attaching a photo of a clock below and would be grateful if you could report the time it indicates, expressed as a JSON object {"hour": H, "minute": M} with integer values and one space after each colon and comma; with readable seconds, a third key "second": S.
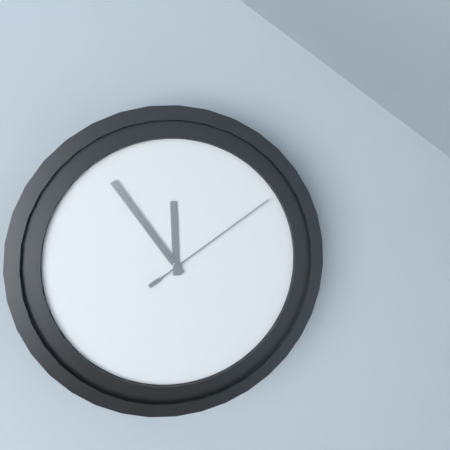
{"hour": 11, "minute": 54, "second": 9}
